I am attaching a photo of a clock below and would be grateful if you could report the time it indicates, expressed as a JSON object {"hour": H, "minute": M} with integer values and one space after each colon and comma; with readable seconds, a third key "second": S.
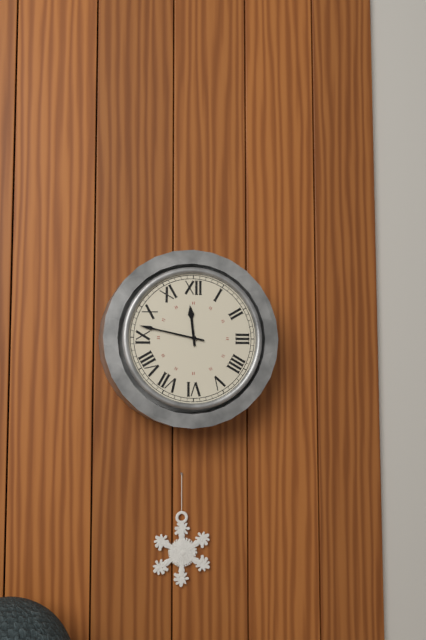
{"hour": 11, "minute": 47}
